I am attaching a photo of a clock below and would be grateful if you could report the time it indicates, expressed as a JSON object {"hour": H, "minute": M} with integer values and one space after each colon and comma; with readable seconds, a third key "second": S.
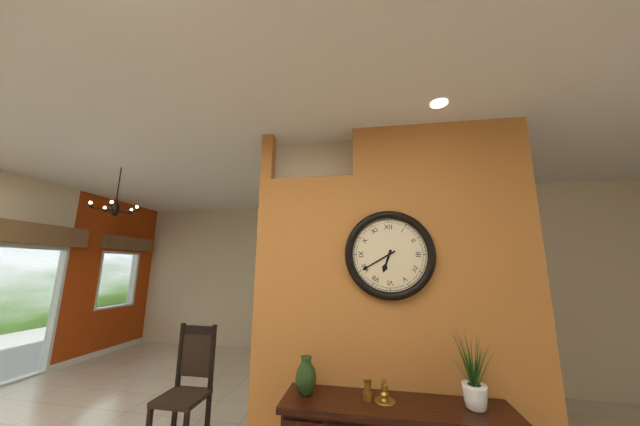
{"hour": 6, "minute": 40}
